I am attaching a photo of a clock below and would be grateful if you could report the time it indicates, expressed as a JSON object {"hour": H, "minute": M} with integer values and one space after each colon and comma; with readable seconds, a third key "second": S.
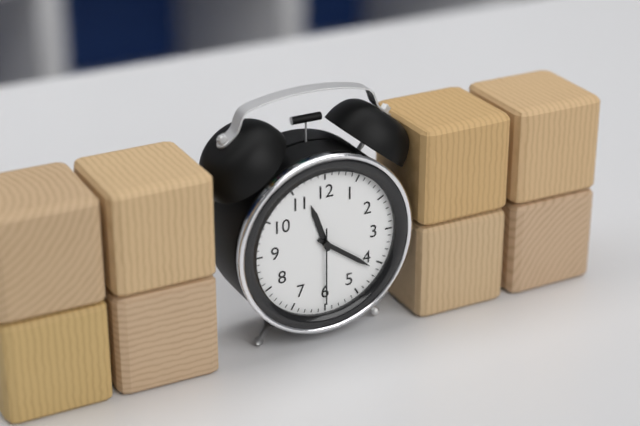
{"hour": 11, "minute": 21, "second": 30}
